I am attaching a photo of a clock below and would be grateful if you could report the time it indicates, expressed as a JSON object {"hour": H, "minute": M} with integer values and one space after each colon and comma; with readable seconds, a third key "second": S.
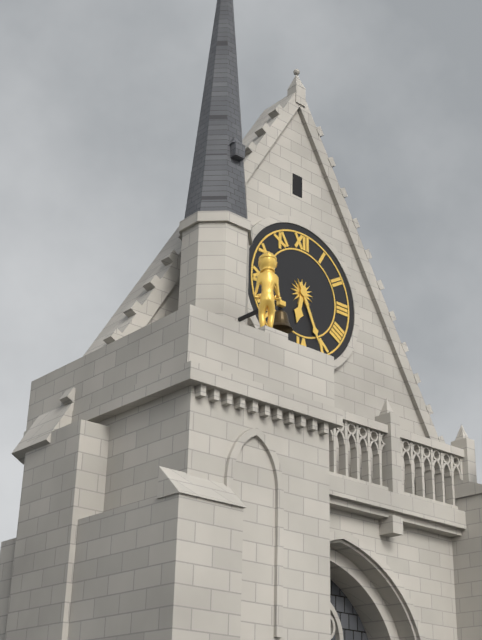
{"hour": 6, "minute": 26}
